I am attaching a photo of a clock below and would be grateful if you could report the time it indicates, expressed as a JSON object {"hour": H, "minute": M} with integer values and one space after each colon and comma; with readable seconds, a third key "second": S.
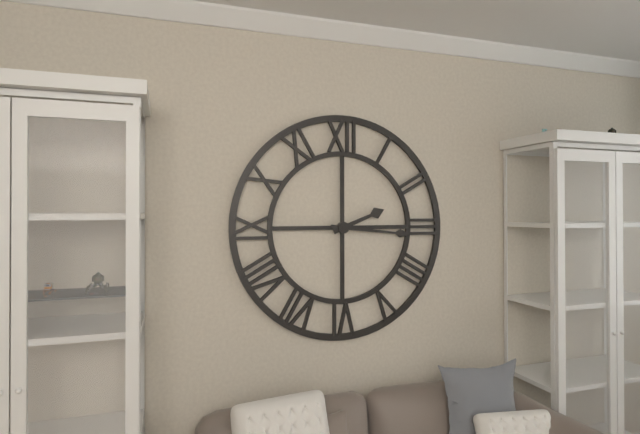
{"hour": 2, "minute": 16}
